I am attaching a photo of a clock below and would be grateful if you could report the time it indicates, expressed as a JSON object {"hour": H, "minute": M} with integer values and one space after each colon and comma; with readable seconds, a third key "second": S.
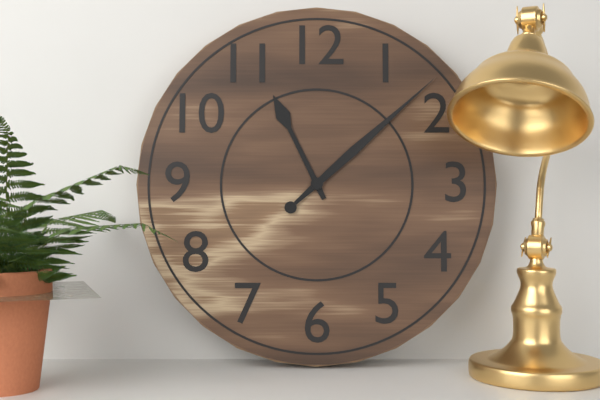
{"hour": 11, "minute": 8}
